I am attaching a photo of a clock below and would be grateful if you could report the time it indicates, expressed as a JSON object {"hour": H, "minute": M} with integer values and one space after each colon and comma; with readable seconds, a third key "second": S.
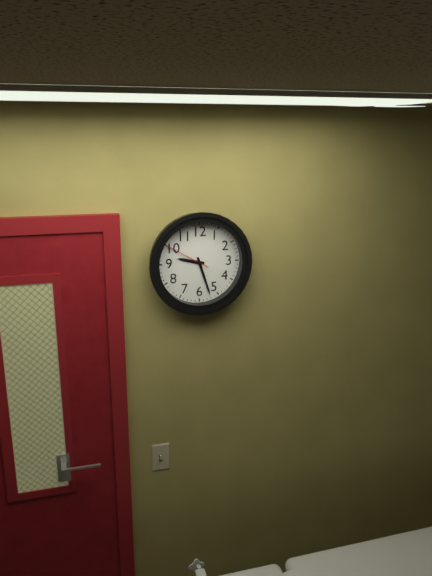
{"hour": 9, "minute": 27}
